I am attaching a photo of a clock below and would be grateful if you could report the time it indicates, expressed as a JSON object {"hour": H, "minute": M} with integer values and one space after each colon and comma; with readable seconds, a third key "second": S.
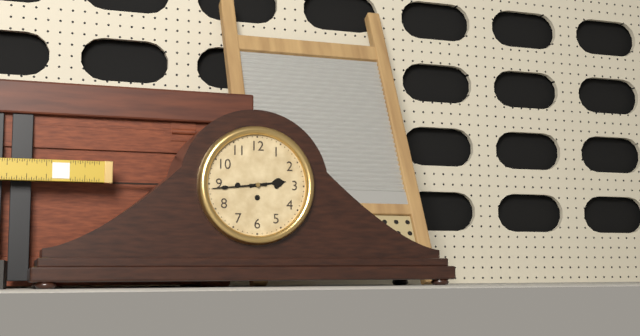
{"hour": 2, "minute": 44}
